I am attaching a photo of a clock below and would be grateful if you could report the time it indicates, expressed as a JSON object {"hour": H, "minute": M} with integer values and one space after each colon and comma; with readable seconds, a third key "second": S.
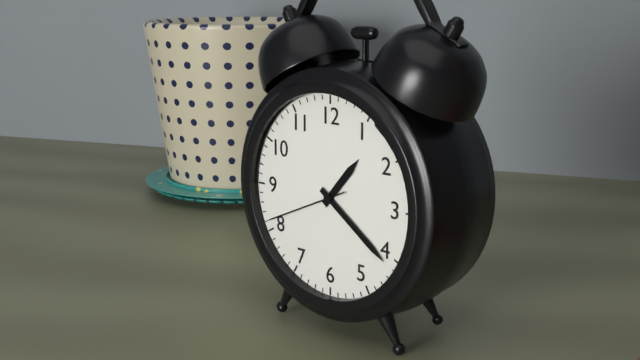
{"hour": 1, "minute": 21, "second": 41}
